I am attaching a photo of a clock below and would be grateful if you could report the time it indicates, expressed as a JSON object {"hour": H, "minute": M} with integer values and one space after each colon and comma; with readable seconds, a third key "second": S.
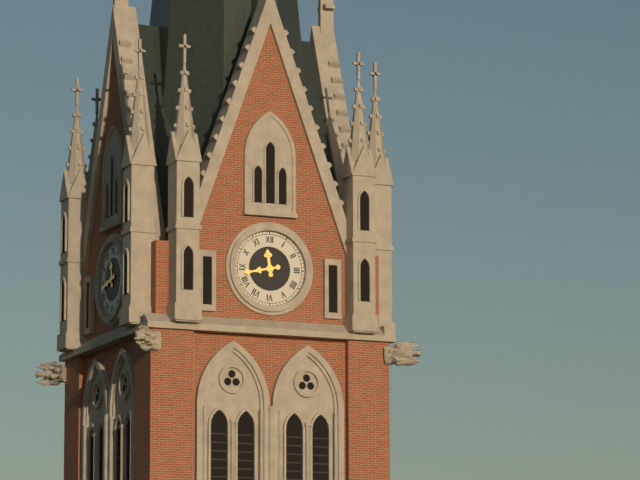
{"hour": 11, "minute": 43}
